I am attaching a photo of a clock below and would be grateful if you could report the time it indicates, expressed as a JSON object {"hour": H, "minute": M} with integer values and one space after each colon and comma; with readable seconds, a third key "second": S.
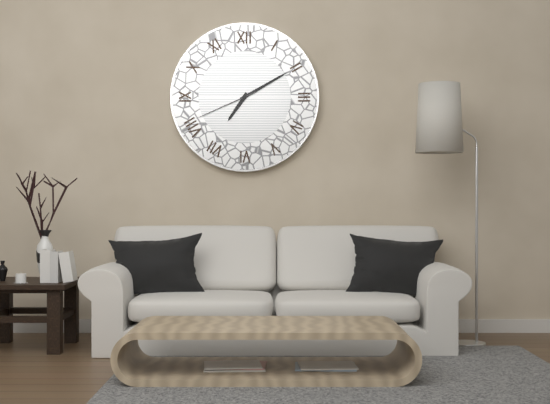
{"hour": 7, "minute": 10, "second": 41}
